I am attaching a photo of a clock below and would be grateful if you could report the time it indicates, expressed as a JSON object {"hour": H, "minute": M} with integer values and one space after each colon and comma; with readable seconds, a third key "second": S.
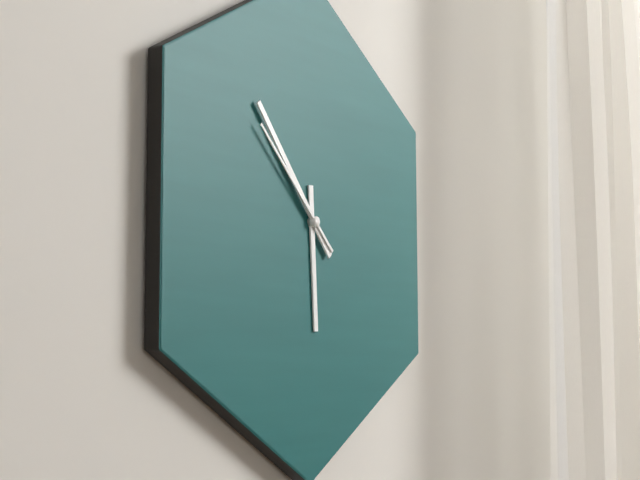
{"hour": 5, "minute": 53, "second": 52}
